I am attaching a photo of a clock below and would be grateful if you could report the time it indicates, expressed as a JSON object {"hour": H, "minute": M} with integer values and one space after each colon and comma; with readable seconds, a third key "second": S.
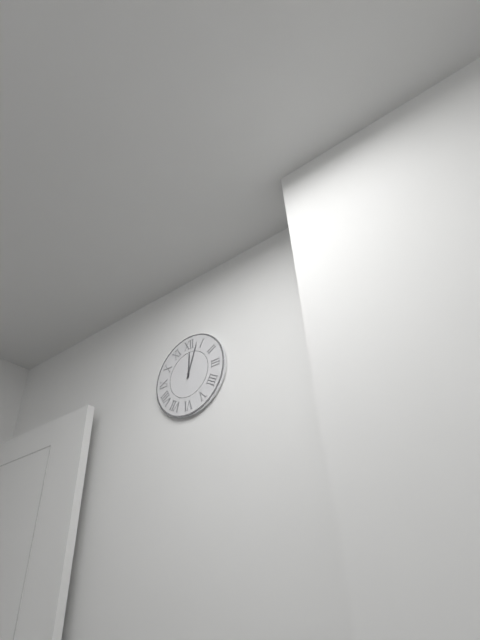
{"hour": 12, "minute": 3}
